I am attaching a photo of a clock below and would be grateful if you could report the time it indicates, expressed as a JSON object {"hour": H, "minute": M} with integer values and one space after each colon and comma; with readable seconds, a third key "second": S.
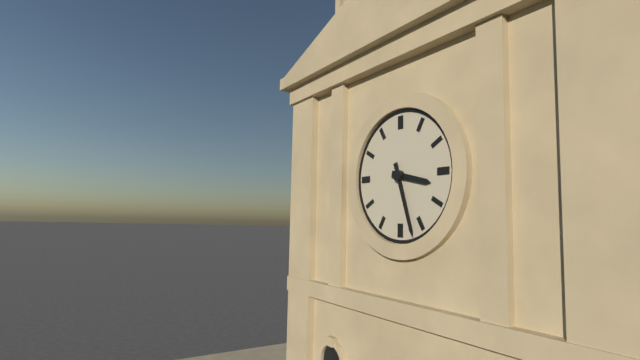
{"hour": 3, "minute": 27}
